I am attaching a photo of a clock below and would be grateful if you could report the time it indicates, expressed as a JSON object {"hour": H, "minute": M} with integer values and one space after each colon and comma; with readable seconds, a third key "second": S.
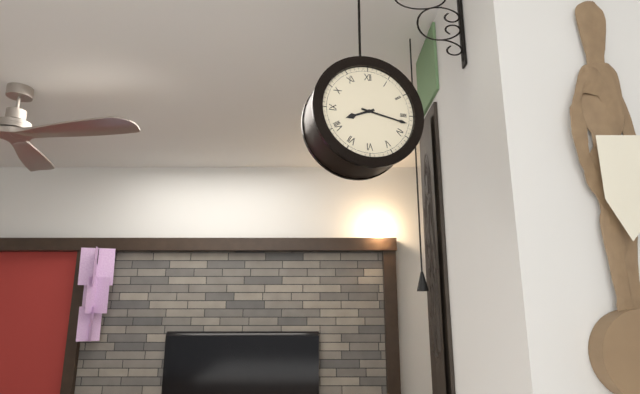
{"hour": 8, "minute": 17}
